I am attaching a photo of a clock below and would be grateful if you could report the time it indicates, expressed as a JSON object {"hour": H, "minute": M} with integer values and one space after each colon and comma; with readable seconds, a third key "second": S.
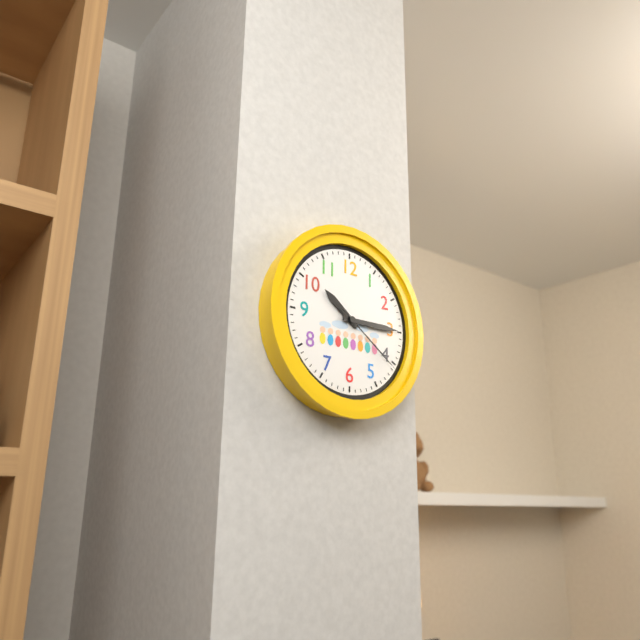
{"hour": 10, "minute": 15, "second": 21}
